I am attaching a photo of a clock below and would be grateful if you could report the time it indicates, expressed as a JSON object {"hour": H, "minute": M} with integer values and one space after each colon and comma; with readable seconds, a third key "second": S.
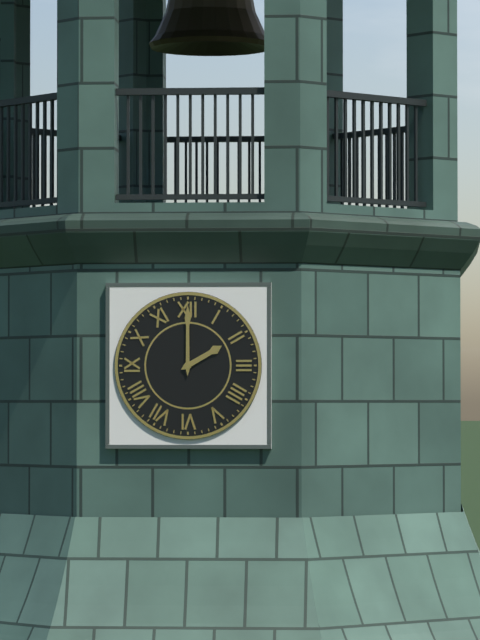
{"hour": 2, "minute": 0}
